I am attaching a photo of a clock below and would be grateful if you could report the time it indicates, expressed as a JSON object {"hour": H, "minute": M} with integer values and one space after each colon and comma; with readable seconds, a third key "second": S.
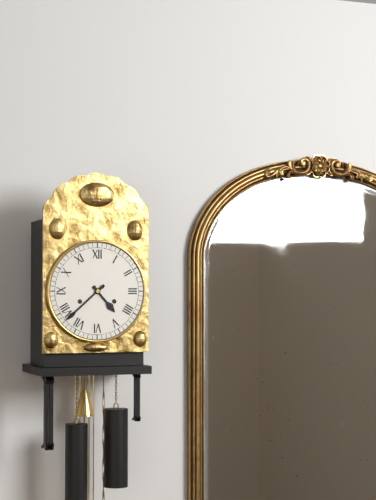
{"hour": 4, "minute": 38}
